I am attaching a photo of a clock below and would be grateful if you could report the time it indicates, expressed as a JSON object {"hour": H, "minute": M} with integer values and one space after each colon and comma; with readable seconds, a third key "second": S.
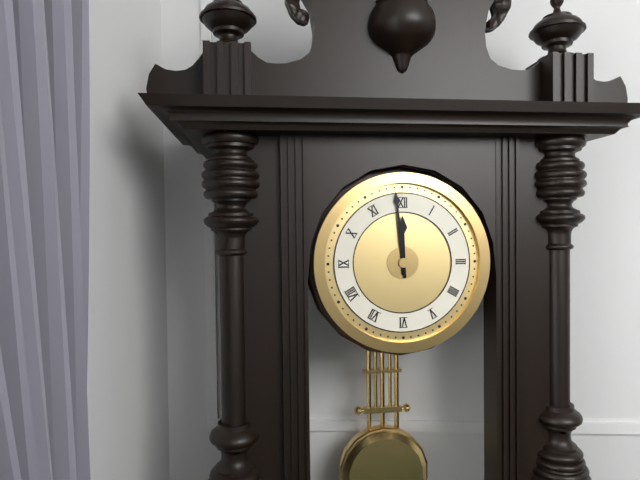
{"hour": 11, "minute": 59}
